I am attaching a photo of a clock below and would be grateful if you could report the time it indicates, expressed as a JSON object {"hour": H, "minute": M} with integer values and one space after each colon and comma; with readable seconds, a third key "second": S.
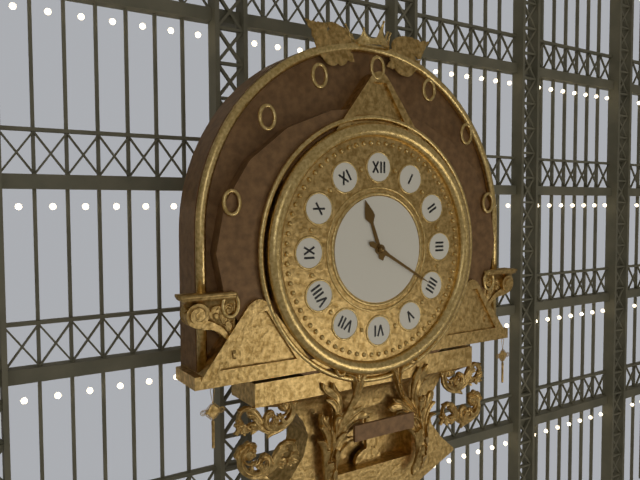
{"hour": 11, "minute": 20}
